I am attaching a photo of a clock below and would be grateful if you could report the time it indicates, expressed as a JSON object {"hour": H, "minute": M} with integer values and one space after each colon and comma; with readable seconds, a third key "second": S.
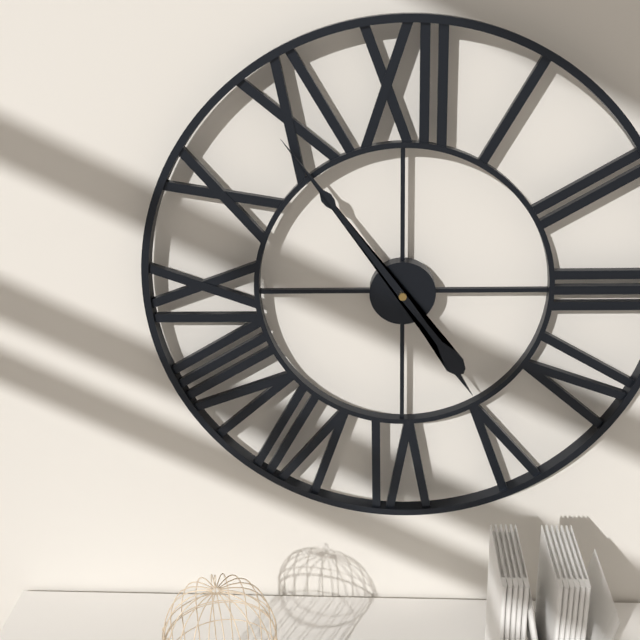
{"hour": 4, "minute": 54}
